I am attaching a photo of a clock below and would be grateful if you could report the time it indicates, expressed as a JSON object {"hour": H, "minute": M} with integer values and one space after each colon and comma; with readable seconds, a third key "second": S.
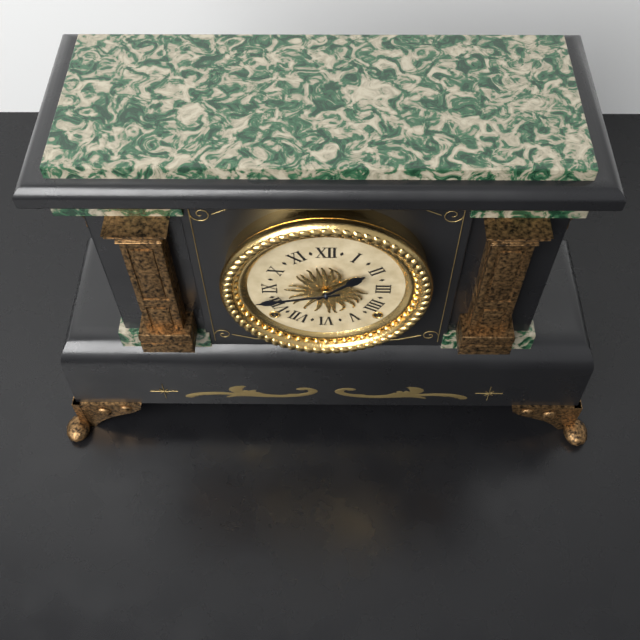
{"hour": 1, "minute": 43}
